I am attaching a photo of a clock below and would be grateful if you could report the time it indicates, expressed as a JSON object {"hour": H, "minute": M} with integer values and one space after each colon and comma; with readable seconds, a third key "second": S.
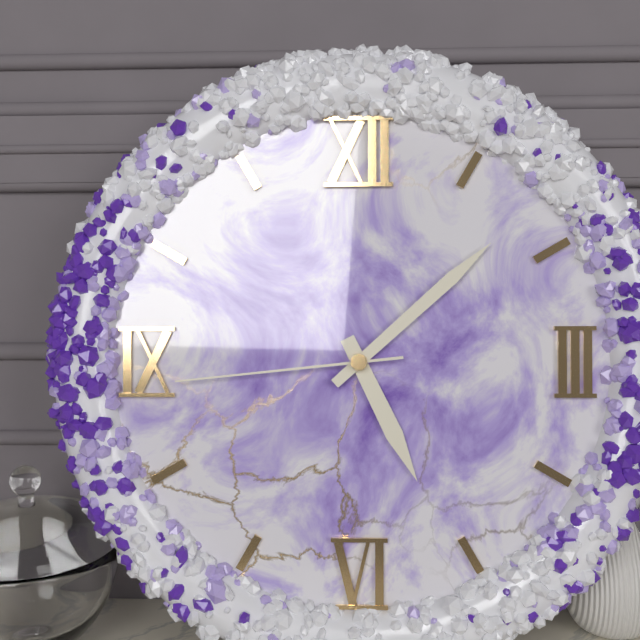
{"hour": 5, "minute": 8, "second": 44}
